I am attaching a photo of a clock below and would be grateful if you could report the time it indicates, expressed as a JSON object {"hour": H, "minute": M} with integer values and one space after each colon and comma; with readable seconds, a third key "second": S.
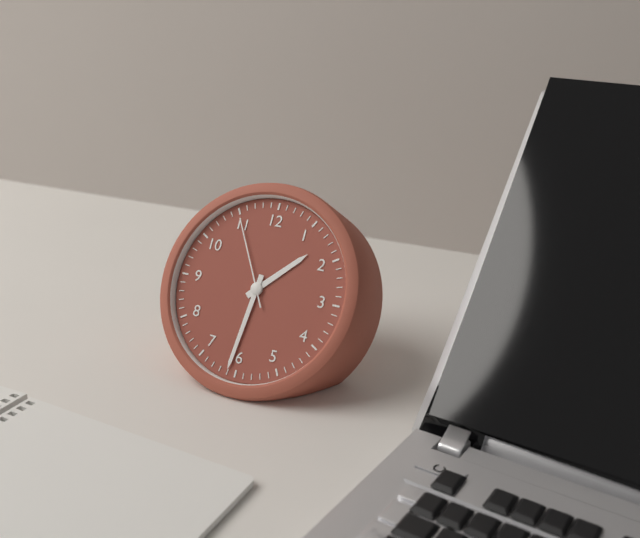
{"hour": 1, "minute": 31, "second": 55}
